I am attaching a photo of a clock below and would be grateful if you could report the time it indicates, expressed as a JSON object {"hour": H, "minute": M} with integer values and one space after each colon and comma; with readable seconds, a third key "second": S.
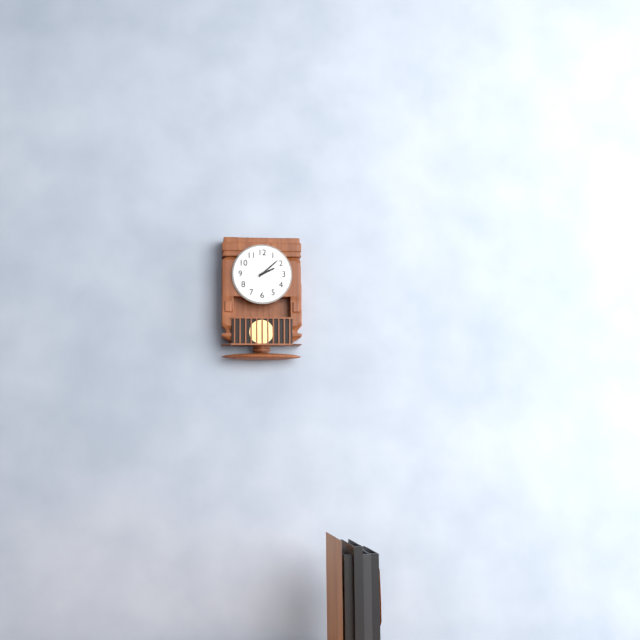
{"hour": 2, "minute": 8}
